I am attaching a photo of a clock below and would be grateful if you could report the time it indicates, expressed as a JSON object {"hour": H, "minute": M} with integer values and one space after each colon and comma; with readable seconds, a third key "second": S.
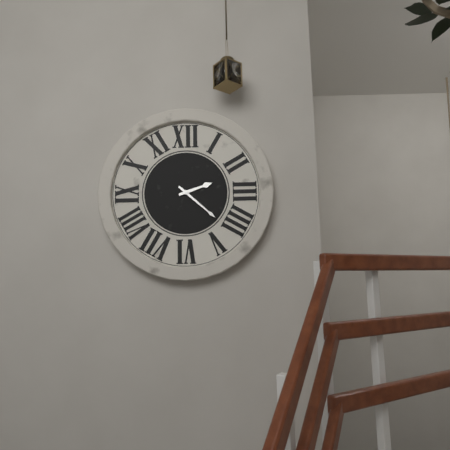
{"hour": 2, "minute": 22}
